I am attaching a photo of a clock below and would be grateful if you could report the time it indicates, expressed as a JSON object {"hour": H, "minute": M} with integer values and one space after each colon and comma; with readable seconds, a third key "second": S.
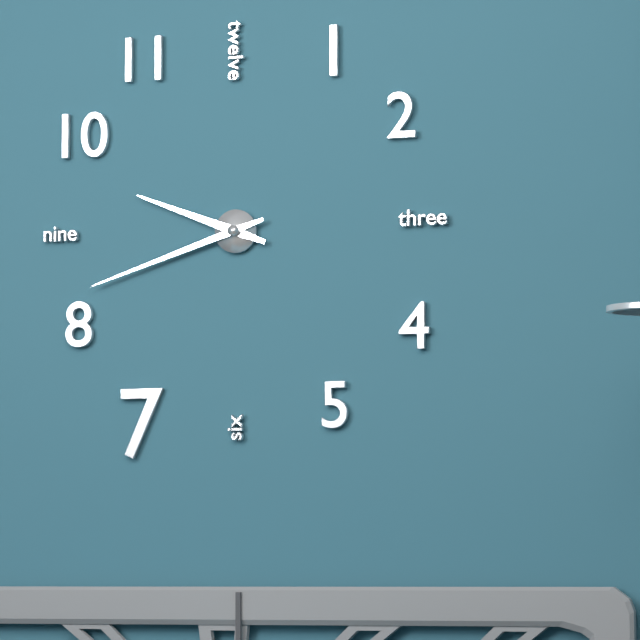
{"hour": 9, "minute": 42}
